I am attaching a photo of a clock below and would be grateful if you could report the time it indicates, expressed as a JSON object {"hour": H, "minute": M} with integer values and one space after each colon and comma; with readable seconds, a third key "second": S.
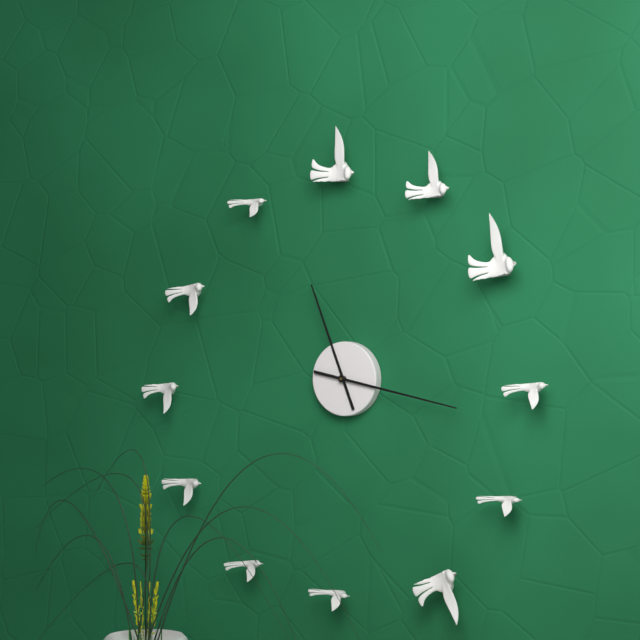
{"hour": 11, "minute": 17}
